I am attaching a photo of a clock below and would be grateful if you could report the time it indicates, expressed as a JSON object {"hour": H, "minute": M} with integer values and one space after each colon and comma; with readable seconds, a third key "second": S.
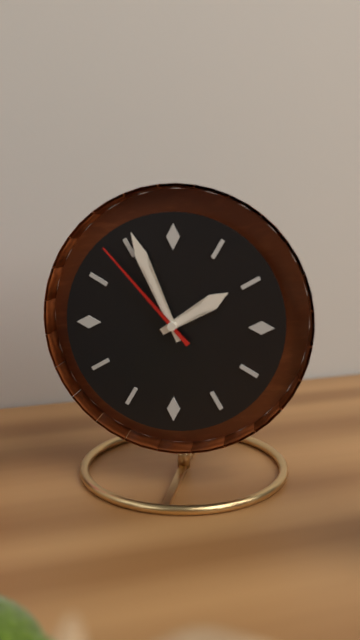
{"hour": 1, "minute": 56, "second": 53}
